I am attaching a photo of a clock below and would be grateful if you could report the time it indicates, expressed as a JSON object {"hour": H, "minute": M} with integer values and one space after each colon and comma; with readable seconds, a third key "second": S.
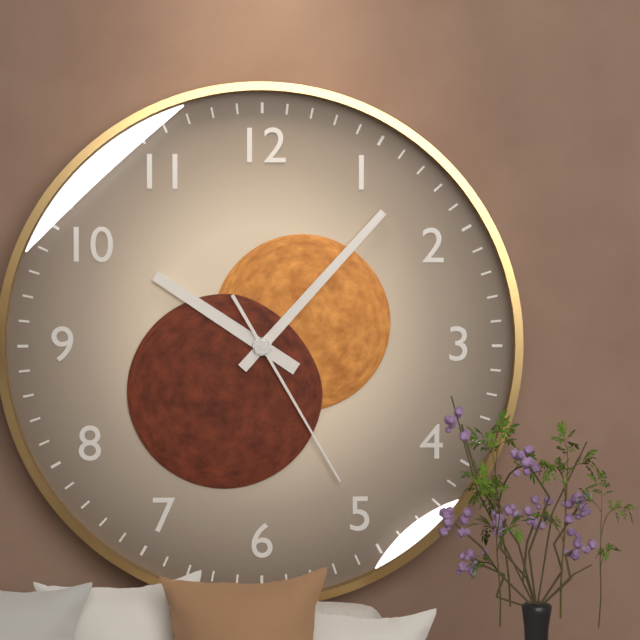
{"hour": 10, "minute": 7, "second": 25}
